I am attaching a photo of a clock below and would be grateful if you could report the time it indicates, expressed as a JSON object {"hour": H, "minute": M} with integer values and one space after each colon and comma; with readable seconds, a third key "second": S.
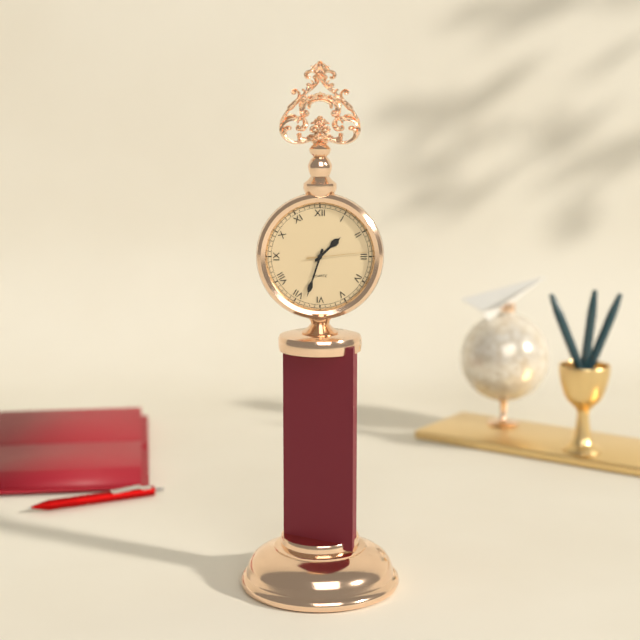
{"hour": 1, "minute": 33, "second": 14}
